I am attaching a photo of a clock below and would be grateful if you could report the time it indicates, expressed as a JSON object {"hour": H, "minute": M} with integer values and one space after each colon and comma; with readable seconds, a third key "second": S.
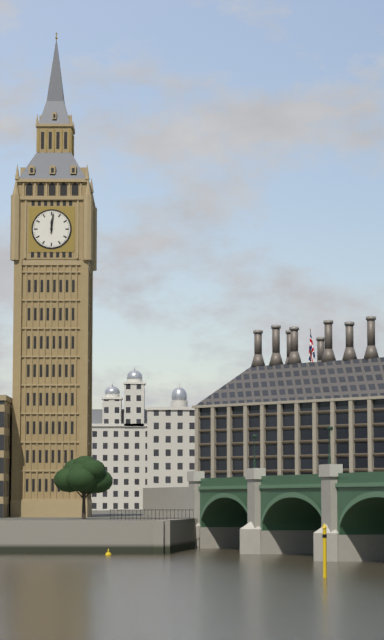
{"hour": 12, "minute": 1}
